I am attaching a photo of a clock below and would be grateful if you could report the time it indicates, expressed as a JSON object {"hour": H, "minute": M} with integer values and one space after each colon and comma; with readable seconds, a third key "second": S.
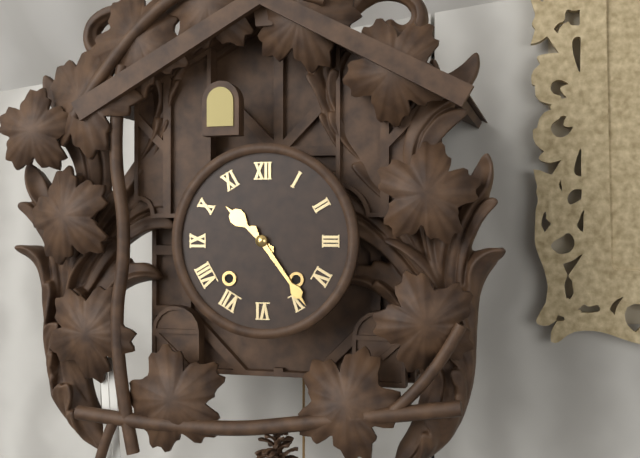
{"hour": 10, "minute": 24}
